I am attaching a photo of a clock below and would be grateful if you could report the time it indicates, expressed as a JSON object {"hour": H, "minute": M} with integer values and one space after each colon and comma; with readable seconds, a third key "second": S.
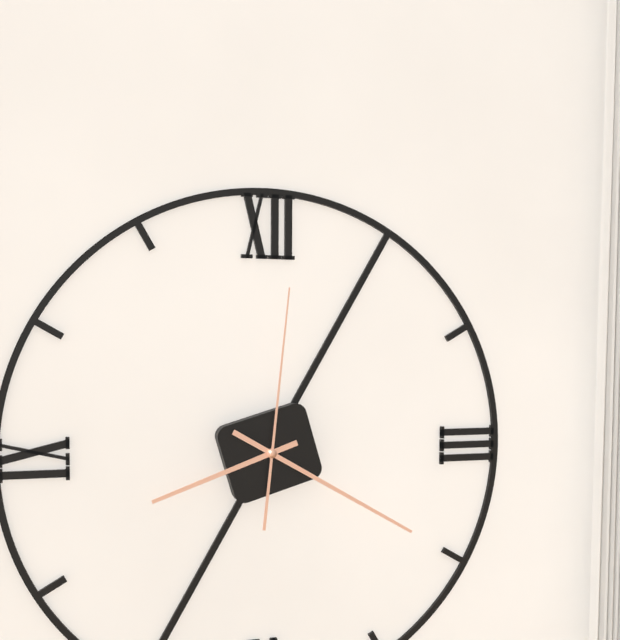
{"hour": 8, "minute": 20, "second": 1}
